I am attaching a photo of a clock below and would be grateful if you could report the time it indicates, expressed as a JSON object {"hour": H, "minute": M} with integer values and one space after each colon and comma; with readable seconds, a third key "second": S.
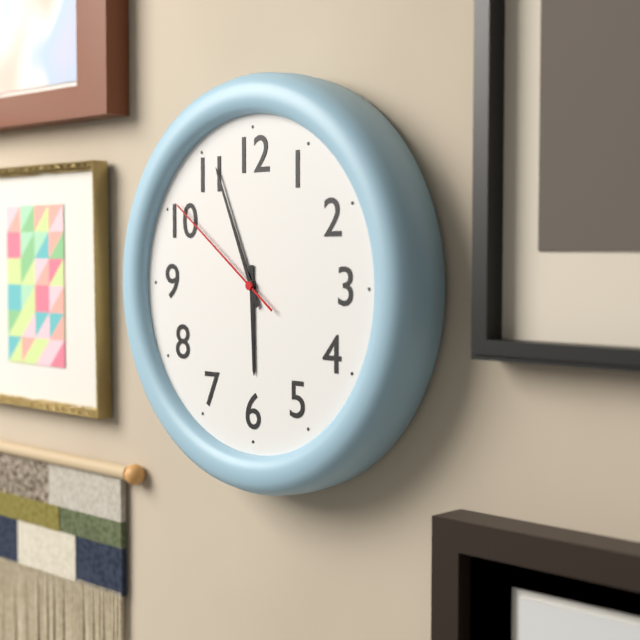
{"hour": 5, "minute": 56, "second": 51}
